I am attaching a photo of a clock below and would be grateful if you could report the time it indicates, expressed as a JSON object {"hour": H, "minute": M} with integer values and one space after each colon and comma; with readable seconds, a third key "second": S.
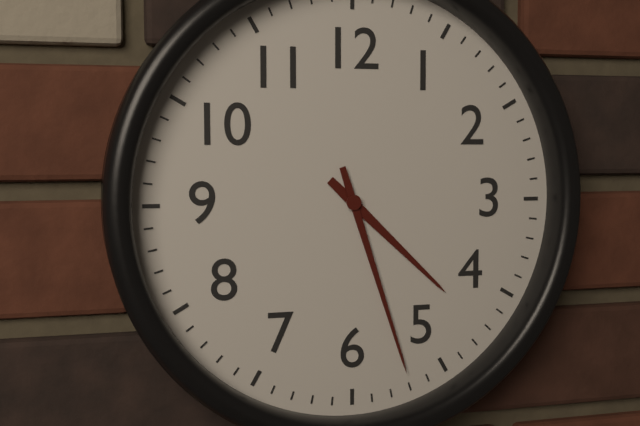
{"hour": 4, "minute": 27}
